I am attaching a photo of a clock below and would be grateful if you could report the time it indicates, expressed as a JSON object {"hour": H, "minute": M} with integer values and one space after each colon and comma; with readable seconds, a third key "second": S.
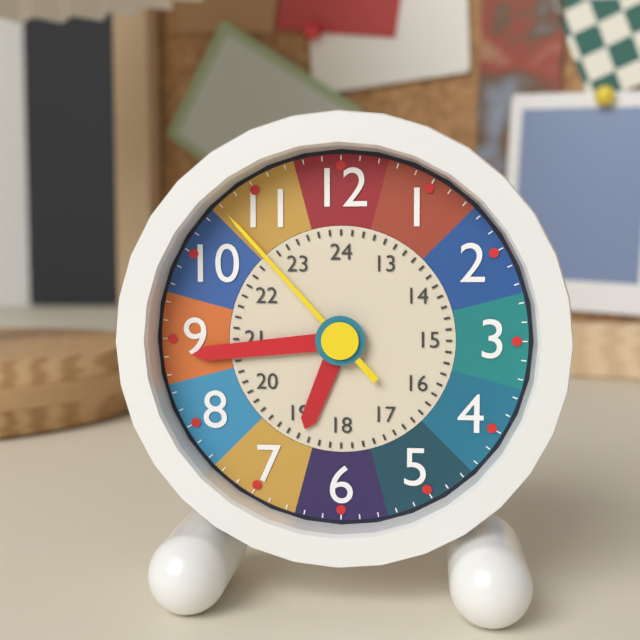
{"hour": 6, "minute": 44, "second": 53}
